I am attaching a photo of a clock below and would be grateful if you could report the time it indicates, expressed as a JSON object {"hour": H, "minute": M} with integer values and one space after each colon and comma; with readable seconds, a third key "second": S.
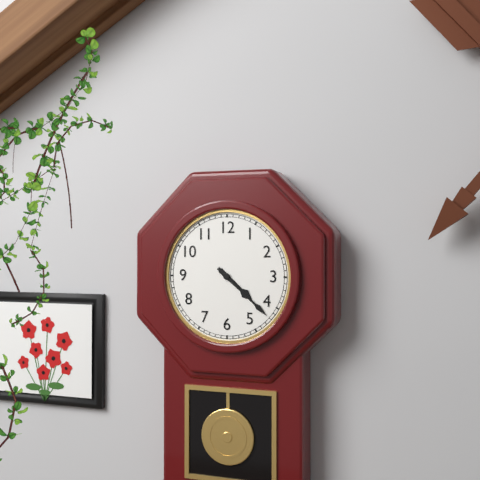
{"hour": 4, "minute": 22}
